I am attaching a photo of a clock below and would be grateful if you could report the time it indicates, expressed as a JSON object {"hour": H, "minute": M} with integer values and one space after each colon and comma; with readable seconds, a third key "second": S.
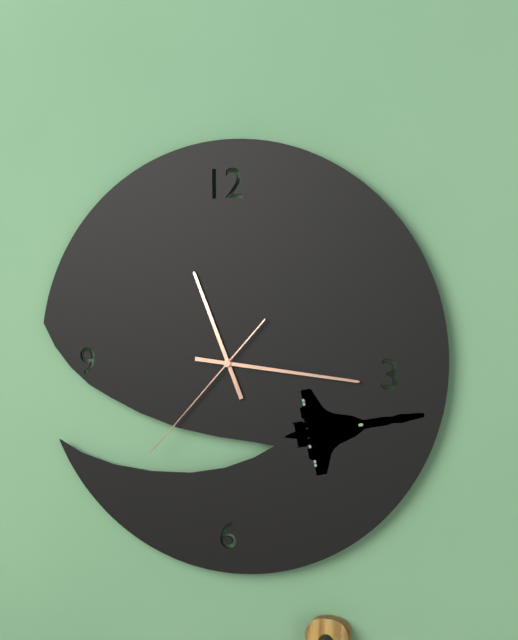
{"hour": 11, "minute": 16, "second": 37}
